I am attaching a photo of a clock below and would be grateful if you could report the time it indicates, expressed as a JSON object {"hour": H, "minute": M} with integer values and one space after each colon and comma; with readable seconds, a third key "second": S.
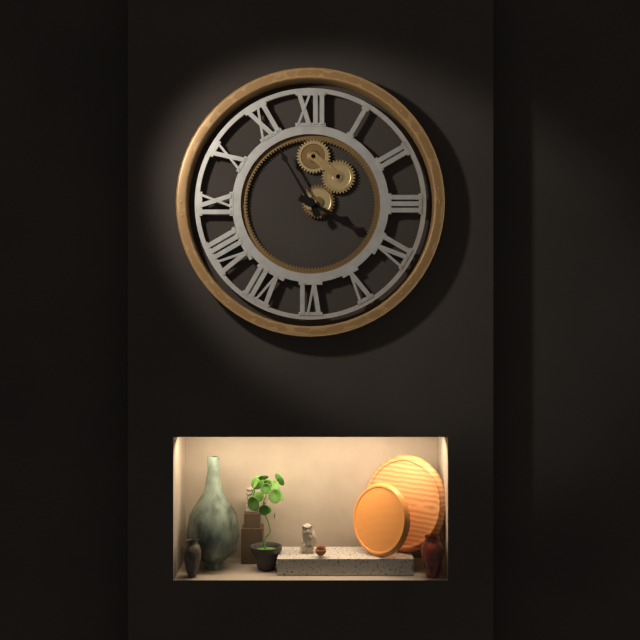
{"hour": 3, "minute": 55}
